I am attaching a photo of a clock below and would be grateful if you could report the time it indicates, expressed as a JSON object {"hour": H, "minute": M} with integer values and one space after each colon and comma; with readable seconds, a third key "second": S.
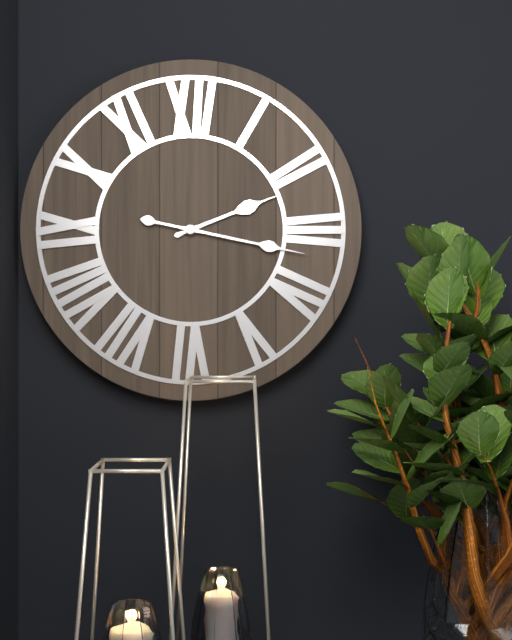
{"hour": 2, "minute": 17}
